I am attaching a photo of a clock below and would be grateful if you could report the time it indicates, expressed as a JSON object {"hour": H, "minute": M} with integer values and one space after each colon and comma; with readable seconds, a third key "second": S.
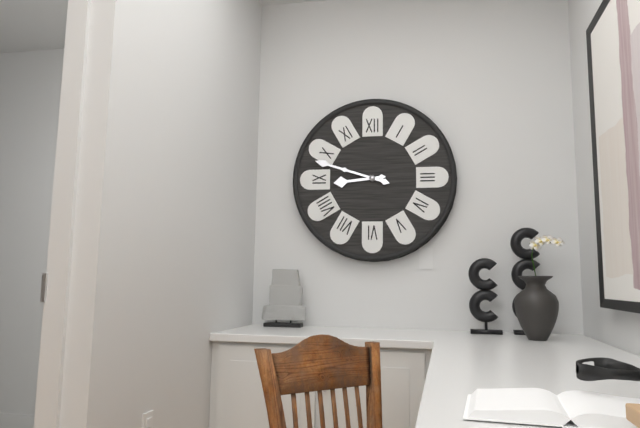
{"hour": 8, "minute": 48}
